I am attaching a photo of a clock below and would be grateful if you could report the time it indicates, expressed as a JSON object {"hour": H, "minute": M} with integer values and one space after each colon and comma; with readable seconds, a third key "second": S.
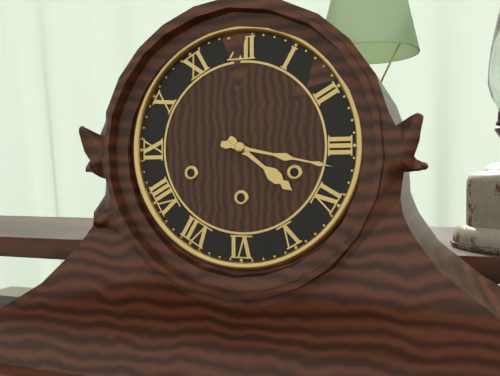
{"hour": 4, "minute": 17}
